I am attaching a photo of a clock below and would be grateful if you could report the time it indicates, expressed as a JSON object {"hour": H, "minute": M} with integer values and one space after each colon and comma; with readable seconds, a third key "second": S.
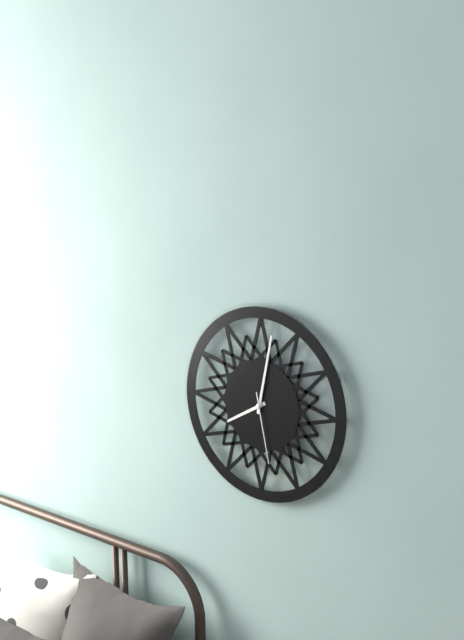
{"hour": 8, "minute": 2, "second": 28}
